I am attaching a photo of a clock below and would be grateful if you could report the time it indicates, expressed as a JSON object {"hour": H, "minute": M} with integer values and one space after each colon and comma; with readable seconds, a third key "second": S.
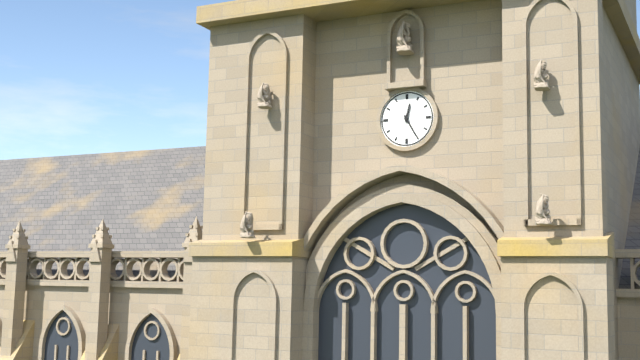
{"hour": 12, "minute": 25}
